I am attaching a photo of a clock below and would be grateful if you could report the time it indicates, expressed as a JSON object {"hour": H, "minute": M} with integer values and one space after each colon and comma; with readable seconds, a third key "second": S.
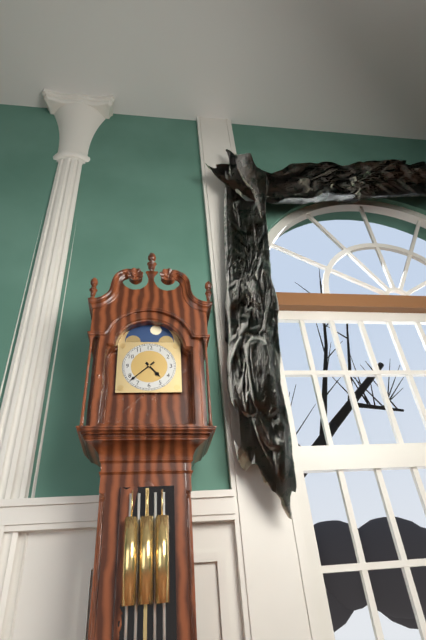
{"hour": 4, "minute": 38}
